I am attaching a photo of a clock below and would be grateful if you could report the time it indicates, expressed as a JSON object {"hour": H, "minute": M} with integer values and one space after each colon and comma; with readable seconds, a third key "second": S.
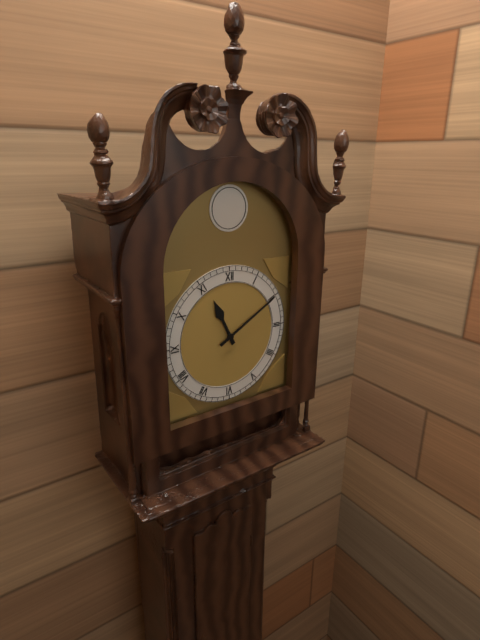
{"hour": 11, "minute": 10}
